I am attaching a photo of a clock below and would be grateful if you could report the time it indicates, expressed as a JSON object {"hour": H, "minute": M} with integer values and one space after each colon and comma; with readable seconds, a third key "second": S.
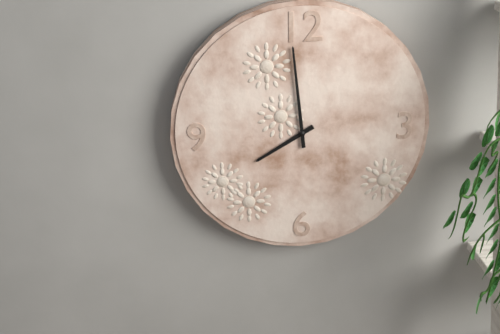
{"hour": 7, "minute": 59}
